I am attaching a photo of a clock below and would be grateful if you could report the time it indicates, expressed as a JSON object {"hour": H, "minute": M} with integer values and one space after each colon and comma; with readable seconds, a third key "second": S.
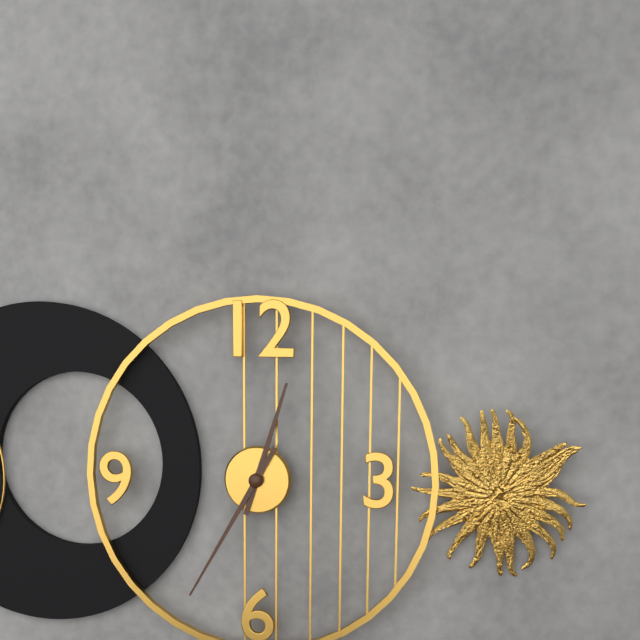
{"hour": 12, "minute": 35}
